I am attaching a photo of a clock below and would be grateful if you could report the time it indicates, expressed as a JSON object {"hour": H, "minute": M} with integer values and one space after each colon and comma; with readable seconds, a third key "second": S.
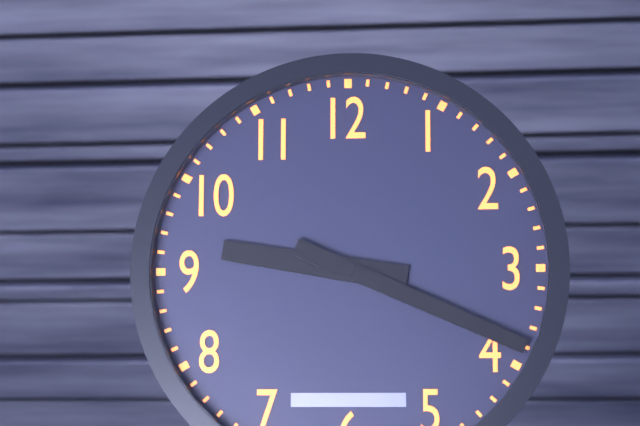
{"hour": 9, "minute": 19}
